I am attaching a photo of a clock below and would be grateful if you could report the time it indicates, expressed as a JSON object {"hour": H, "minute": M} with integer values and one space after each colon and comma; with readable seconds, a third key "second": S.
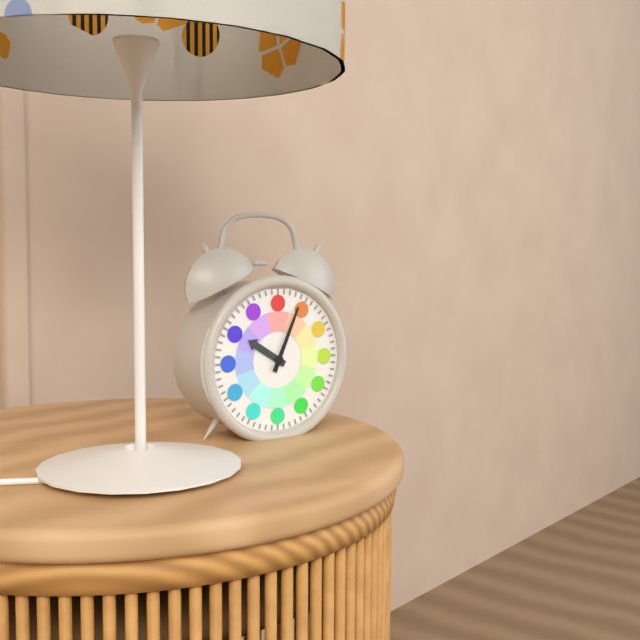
{"hour": 10, "minute": 4}
